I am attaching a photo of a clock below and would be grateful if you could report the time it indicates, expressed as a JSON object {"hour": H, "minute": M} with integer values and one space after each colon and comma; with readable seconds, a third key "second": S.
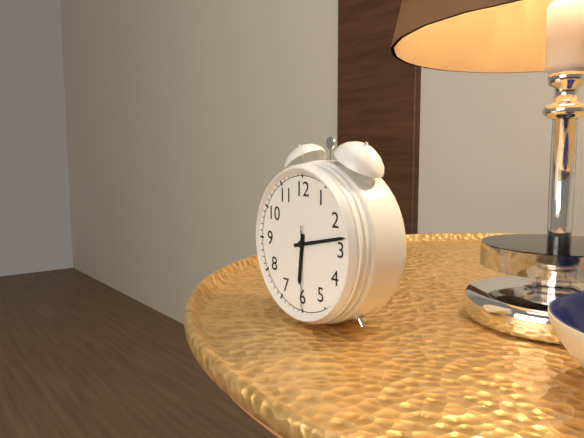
{"hour": 6, "minute": 13, "second": 30}
